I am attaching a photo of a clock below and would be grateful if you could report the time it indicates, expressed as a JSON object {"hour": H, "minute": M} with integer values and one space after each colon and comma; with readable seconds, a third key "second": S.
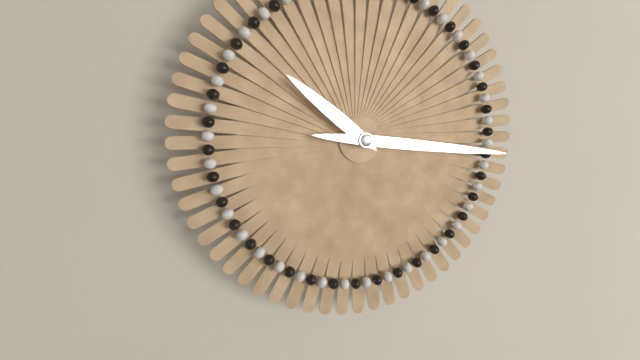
{"hour": 10, "minute": 16}
